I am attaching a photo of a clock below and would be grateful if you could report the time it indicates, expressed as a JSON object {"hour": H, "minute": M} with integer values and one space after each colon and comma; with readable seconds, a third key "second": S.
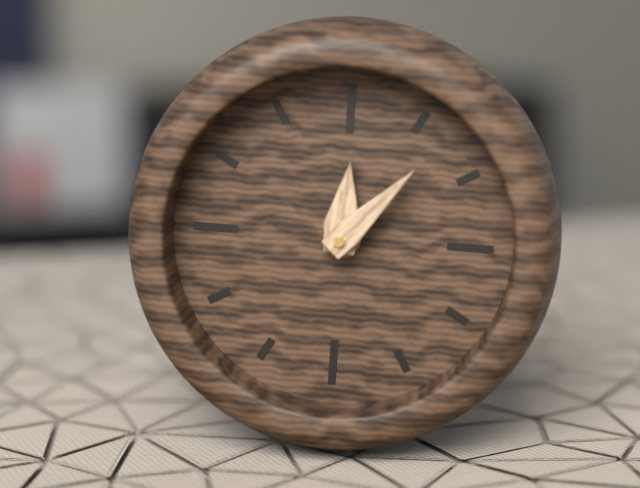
{"hour": 12, "minute": 7}
